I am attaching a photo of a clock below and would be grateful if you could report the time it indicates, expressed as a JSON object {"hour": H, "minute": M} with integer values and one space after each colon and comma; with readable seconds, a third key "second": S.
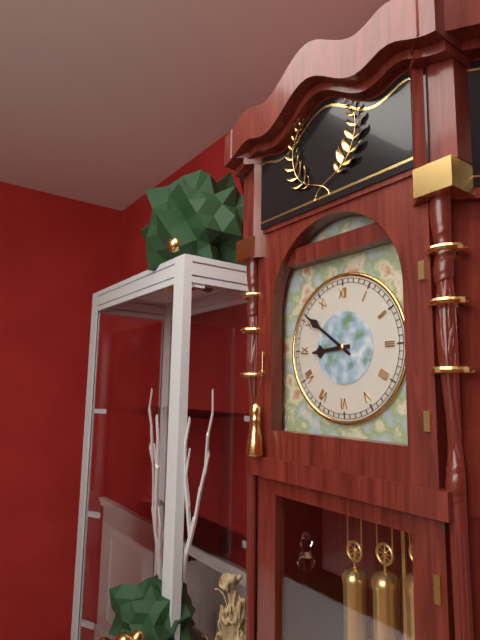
{"hour": 8, "minute": 51}
